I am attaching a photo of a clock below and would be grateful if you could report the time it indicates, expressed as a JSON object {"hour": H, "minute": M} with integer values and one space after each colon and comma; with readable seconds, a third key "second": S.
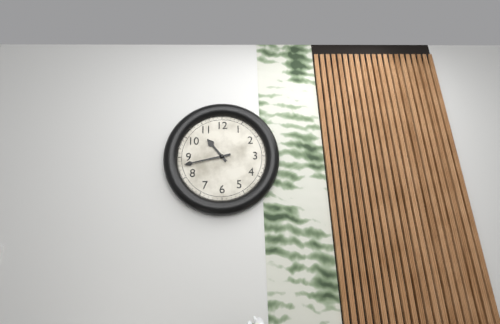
{"hour": 10, "minute": 43}
